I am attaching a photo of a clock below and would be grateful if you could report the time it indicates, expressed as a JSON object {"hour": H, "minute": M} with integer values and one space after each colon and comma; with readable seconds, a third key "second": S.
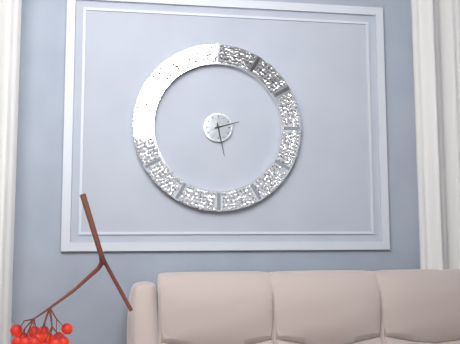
{"hour": 2, "minute": 28}
